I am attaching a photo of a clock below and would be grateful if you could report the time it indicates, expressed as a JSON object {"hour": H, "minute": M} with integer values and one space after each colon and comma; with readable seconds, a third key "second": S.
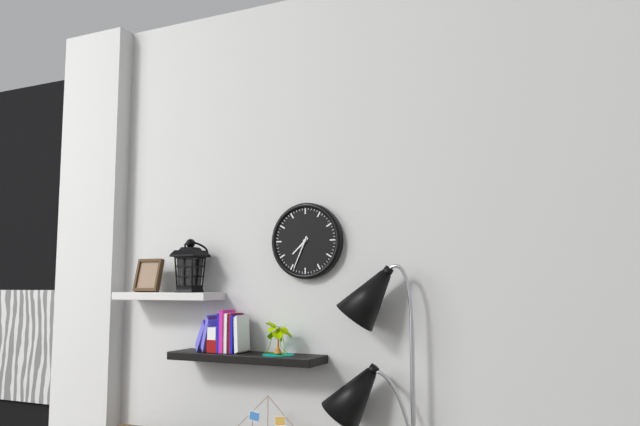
{"hour": 7, "minute": 34}
